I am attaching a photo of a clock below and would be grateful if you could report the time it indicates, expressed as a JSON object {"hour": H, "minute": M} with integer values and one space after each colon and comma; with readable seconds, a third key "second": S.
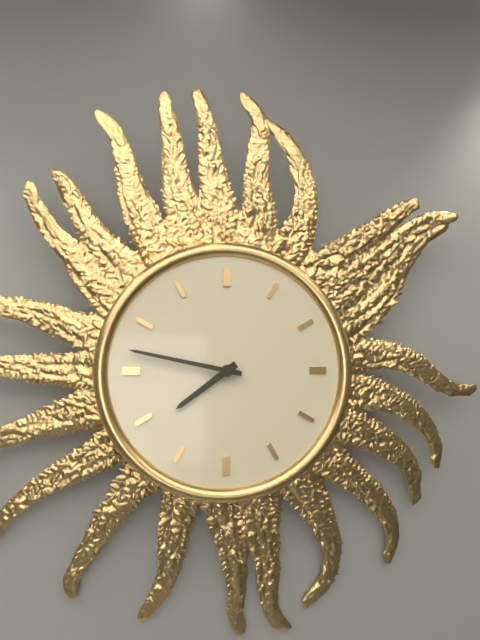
{"hour": 7, "minute": 47}
